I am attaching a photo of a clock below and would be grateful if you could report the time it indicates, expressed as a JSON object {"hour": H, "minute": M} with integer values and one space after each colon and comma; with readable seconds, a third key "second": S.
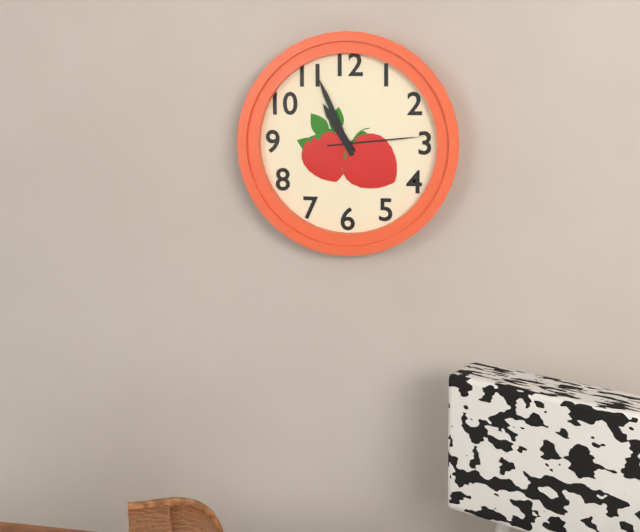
{"hour": 10, "minute": 56, "second": 14}
